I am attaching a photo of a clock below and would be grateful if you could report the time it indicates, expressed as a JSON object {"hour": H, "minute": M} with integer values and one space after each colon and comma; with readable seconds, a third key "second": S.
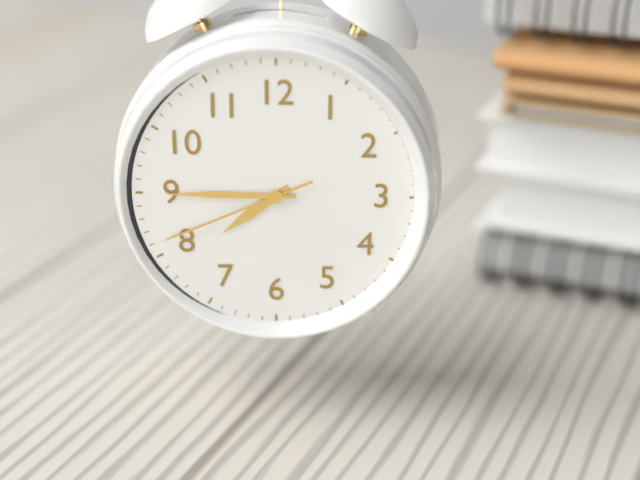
{"hour": 7, "minute": 45, "second": 41}
